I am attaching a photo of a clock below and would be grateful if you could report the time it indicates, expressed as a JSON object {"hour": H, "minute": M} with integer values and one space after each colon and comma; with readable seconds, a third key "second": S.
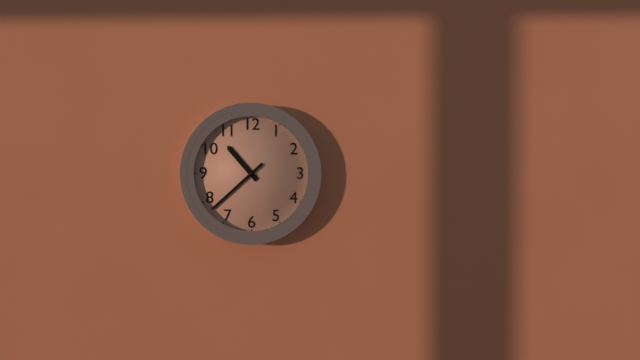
{"hour": 10, "minute": 38}
